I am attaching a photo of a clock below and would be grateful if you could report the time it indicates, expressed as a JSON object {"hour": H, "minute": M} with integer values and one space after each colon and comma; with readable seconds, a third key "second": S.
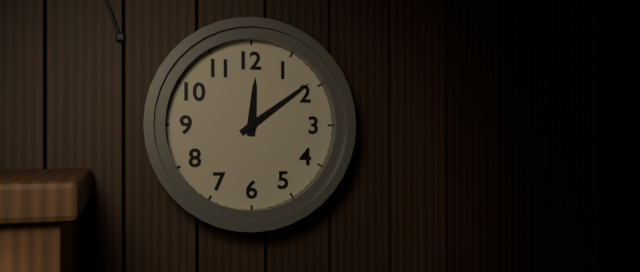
{"hour": 12, "minute": 9}
